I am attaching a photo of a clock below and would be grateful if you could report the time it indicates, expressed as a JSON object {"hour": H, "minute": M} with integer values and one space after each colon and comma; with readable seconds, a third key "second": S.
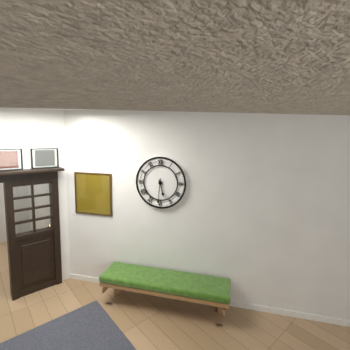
{"hour": 5, "minute": 31}
